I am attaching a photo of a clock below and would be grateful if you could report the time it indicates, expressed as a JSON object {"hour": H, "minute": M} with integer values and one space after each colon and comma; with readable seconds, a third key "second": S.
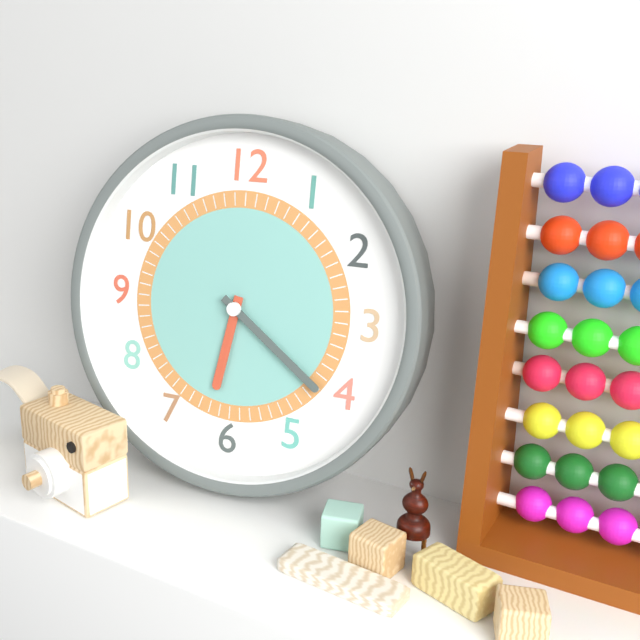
{"hour": 6, "minute": 21}
